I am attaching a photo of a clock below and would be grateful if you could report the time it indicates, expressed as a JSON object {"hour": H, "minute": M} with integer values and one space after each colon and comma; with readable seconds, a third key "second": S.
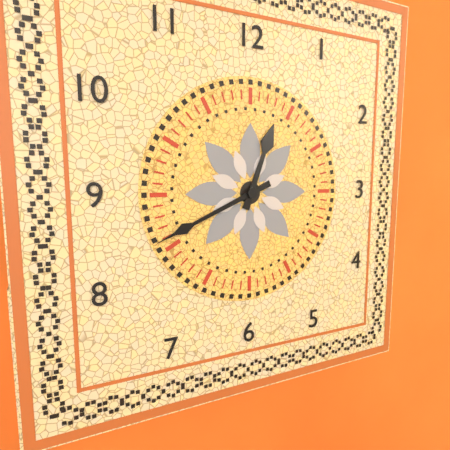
{"hour": 12, "minute": 41}
